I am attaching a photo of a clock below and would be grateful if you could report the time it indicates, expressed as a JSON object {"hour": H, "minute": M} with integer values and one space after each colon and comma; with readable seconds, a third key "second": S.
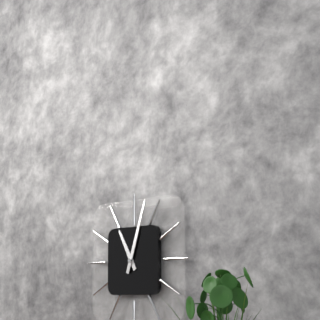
{"hour": 11, "minute": 3}
